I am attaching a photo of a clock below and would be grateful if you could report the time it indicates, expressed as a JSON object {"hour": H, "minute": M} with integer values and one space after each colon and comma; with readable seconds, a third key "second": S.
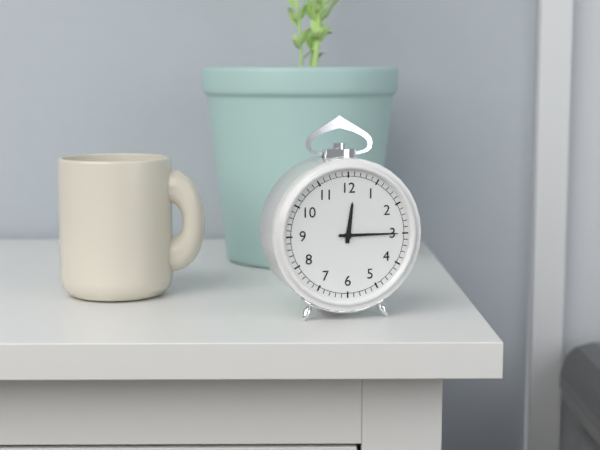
{"hour": 12, "minute": 15}
